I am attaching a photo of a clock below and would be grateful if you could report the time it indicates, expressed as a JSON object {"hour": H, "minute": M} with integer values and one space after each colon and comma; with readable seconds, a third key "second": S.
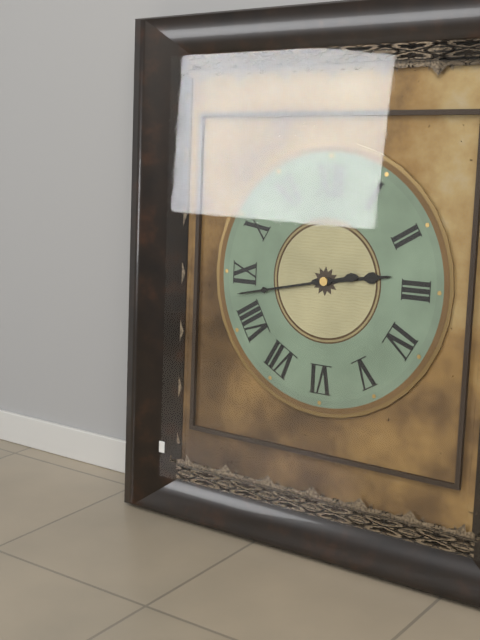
{"hour": 2, "minute": 43}
